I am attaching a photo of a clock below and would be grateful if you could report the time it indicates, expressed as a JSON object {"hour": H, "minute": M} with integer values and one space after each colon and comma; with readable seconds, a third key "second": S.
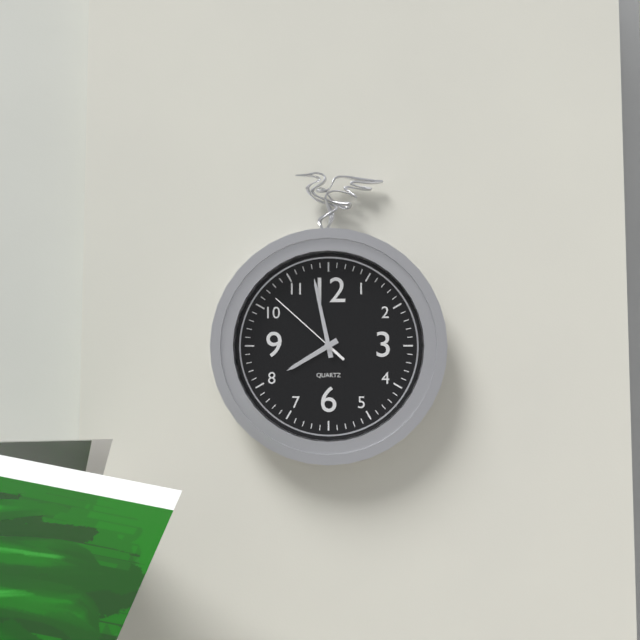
{"hour": 7, "minute": 58, "second": 52}
